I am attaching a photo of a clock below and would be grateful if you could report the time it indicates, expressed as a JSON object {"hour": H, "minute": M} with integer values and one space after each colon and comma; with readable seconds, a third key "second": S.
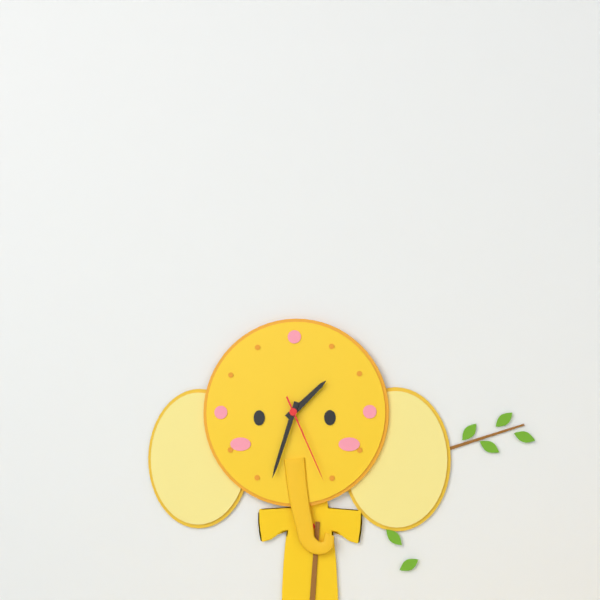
{"hour": 1, "minute": 33, "second": 26}
